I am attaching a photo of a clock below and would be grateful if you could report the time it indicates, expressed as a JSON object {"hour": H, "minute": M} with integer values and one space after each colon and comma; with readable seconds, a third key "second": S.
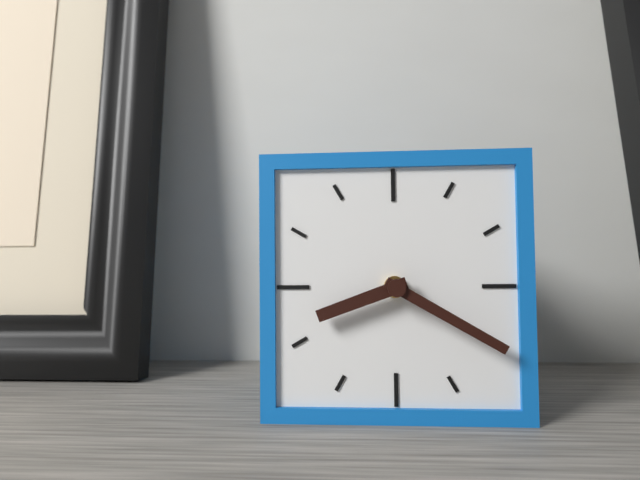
{"hour": 8, "minute": 20}
